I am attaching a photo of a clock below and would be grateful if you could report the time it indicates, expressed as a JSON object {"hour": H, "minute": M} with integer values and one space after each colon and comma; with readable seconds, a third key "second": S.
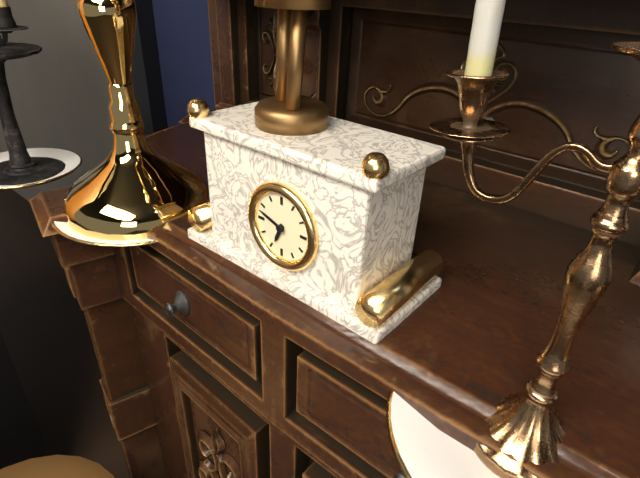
{"hour": 6, "minute": 48}
